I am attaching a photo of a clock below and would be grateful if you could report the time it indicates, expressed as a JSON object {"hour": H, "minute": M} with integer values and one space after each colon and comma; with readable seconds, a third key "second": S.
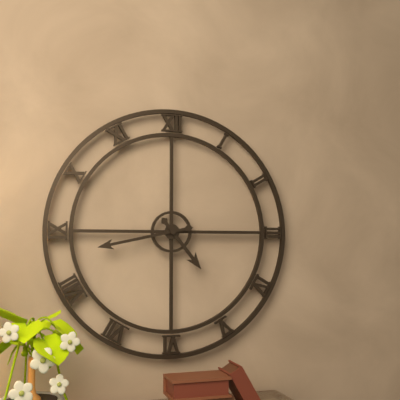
{"hour": 4, "minute": 43}
